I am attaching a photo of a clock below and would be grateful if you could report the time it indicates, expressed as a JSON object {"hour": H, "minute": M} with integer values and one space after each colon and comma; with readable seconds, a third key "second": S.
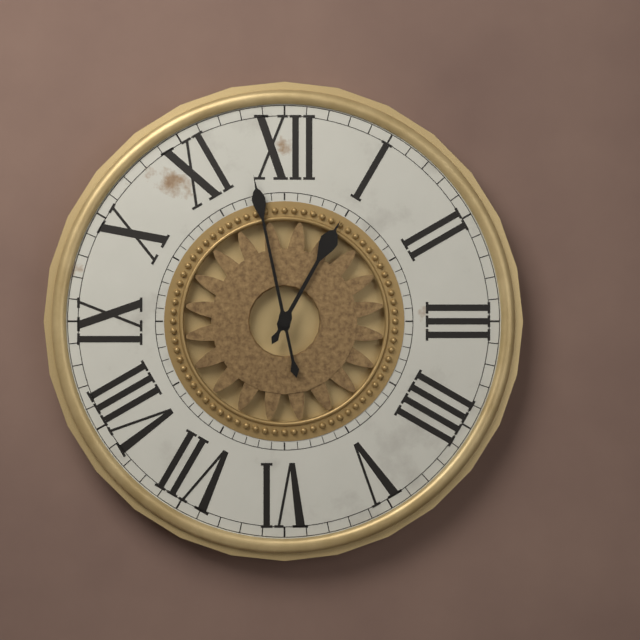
{"hour": 12, "minute": 58}
